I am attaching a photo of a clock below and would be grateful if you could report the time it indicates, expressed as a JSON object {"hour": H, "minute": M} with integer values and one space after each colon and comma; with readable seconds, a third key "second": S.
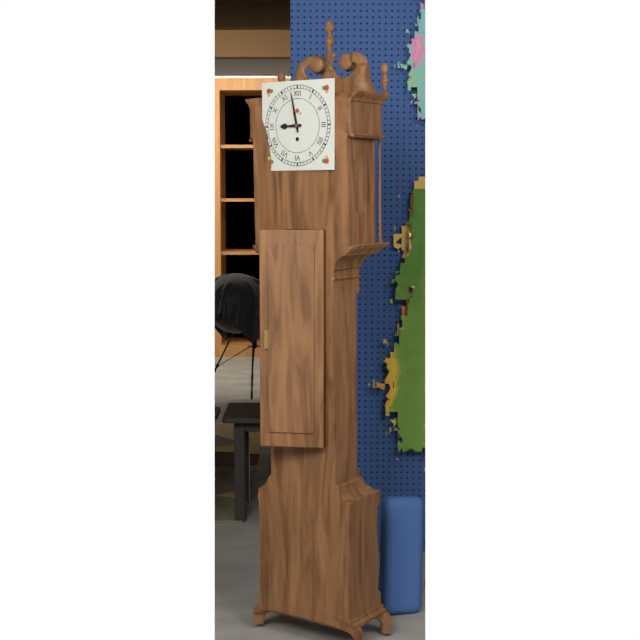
{"hour": 8, "minute": 58}
